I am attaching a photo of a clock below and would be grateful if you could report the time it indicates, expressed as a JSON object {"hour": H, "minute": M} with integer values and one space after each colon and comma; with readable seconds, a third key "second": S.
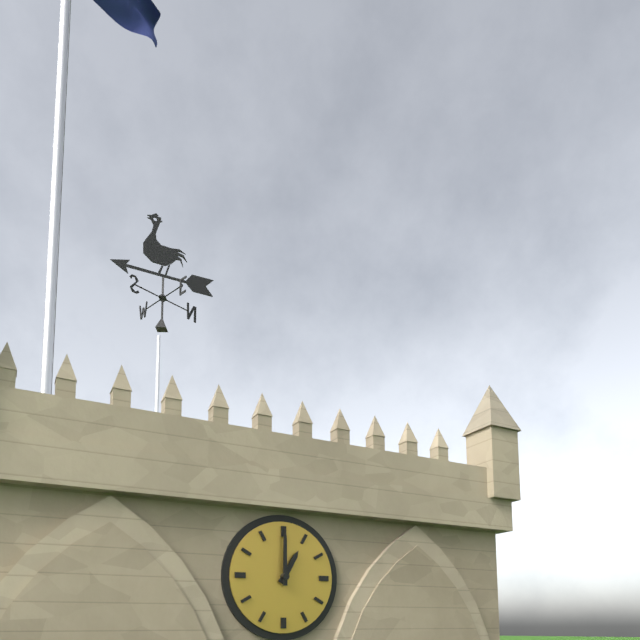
{"hour": 1, "minute": 0}
